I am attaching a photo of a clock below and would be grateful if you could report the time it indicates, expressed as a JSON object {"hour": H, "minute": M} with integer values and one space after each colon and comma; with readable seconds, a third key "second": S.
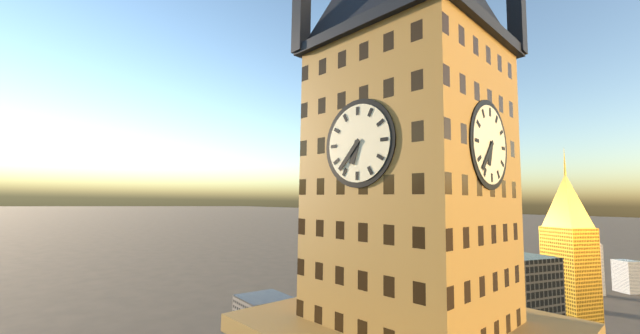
{"hour": 6, "minute": 37}
